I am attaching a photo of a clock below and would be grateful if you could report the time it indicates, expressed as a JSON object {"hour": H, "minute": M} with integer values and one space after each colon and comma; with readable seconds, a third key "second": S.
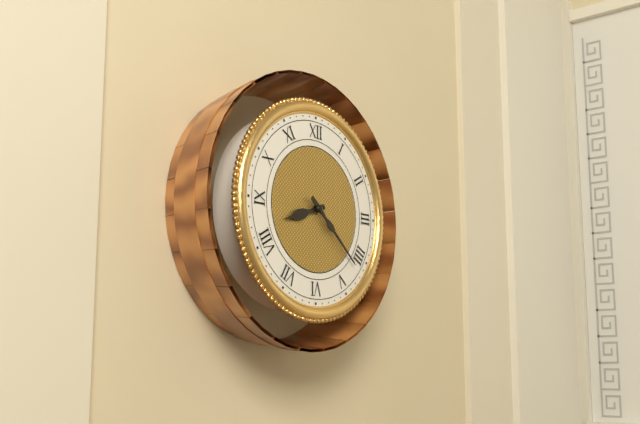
{"hour": 8, "minute": 22}
